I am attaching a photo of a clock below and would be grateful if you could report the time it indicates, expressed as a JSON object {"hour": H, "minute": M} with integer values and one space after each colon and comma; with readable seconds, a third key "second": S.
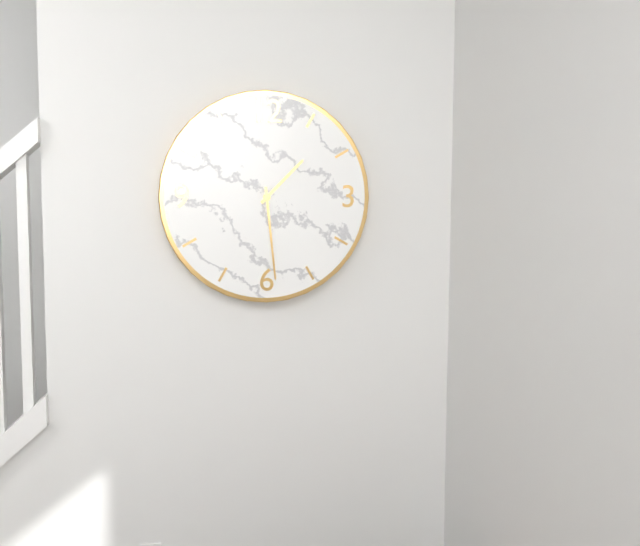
{"hour": 1, "minute": 29}
